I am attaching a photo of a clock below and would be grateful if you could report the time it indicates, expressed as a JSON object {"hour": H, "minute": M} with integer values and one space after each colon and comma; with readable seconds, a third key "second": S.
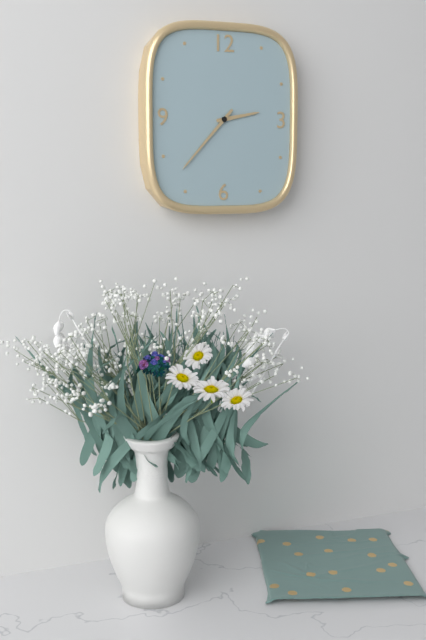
{"hour": 2, "minute": 37}
